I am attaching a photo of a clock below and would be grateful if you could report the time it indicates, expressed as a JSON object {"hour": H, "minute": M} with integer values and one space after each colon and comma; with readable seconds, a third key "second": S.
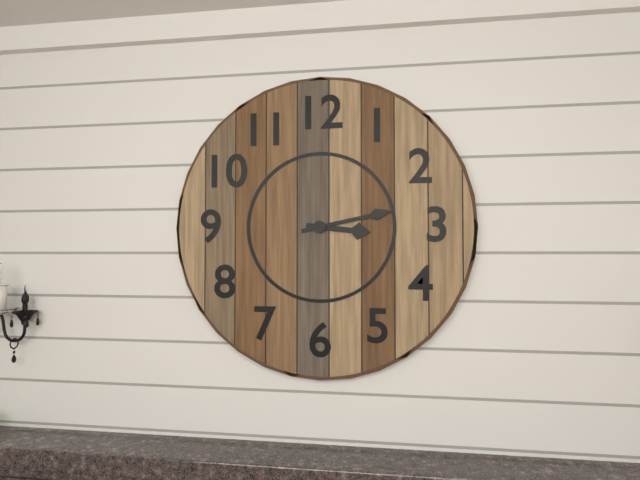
{"hour": 3, "minute": 13}
